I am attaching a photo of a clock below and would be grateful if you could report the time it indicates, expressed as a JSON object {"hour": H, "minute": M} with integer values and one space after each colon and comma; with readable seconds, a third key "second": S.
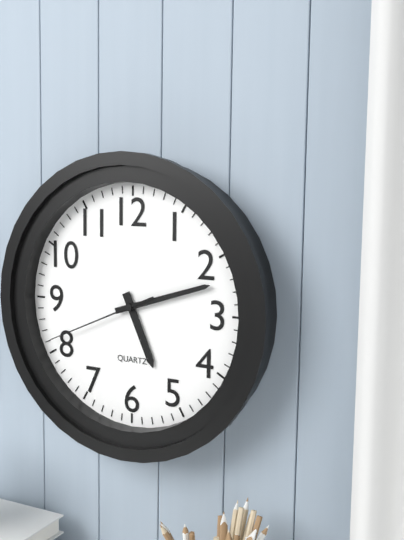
{"hour": 5, "minute": 12, "second": 41}
